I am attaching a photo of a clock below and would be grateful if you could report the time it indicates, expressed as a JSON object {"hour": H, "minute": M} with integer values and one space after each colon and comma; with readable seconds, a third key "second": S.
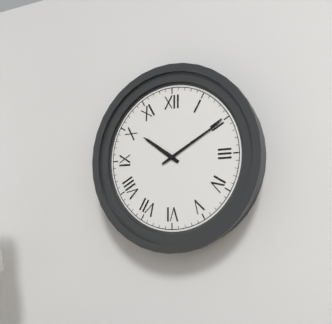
{"hour": 10, "minute": 10}
